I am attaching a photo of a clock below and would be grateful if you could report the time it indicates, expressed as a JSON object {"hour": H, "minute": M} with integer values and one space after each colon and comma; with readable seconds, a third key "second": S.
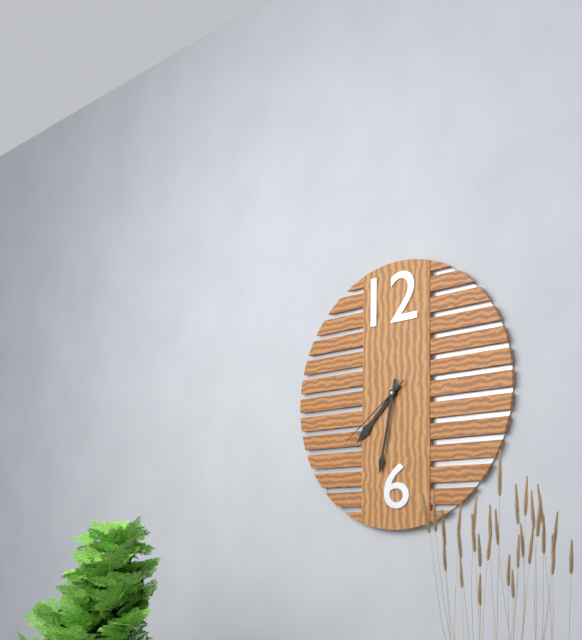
{"hour": 7, "minute": 32, "second": 39}
